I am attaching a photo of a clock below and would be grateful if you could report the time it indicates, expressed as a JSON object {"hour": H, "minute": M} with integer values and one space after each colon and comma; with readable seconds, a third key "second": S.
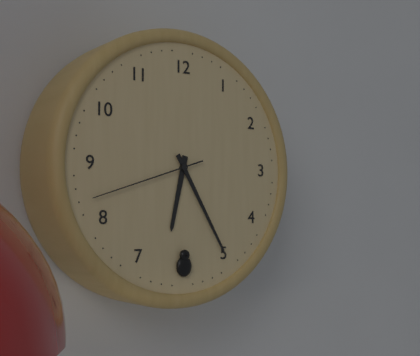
{"hour": 6, "minute": 25, "second": 42}
